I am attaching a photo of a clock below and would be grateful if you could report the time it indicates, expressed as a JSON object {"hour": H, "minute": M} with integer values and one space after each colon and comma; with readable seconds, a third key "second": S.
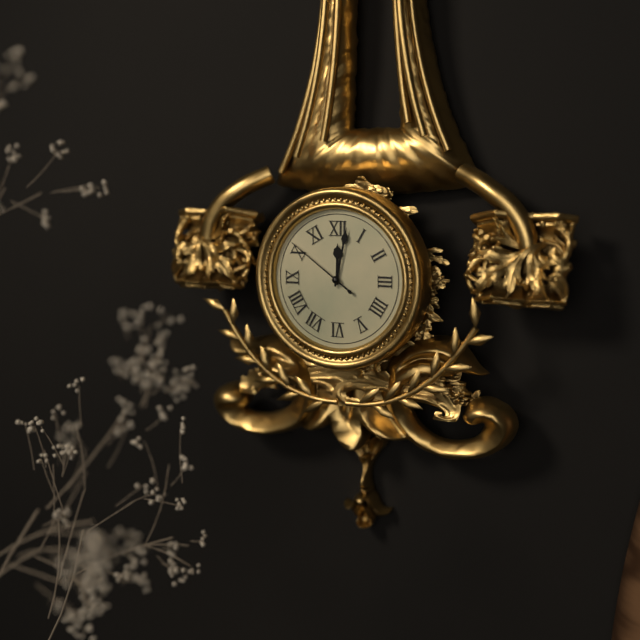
{"hour": 12, "minute": 2, "second": 51}
